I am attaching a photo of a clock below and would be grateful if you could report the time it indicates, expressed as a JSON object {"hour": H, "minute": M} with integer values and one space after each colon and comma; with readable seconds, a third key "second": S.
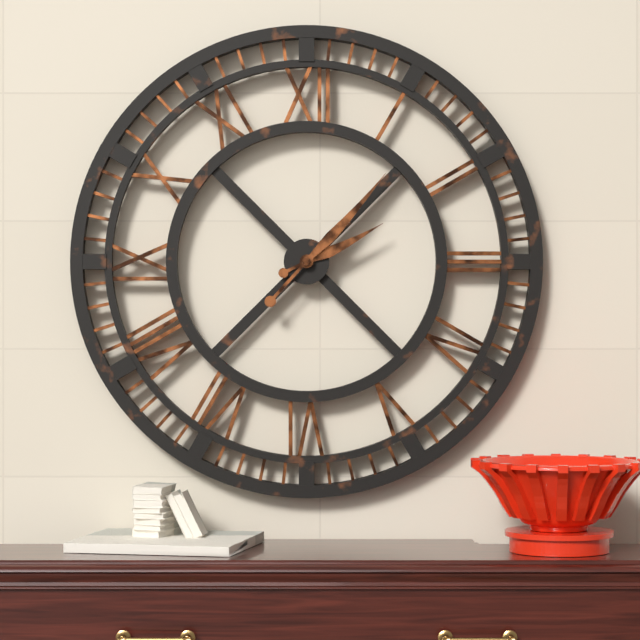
{"hour": 2, "minute": 7}
